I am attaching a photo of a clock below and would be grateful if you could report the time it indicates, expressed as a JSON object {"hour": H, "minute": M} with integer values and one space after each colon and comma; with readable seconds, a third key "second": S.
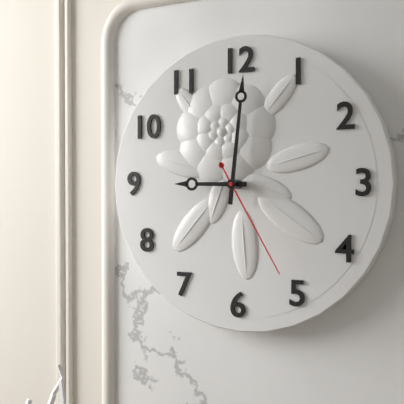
{"hour": 9, "minute": 1, "second": 25}
